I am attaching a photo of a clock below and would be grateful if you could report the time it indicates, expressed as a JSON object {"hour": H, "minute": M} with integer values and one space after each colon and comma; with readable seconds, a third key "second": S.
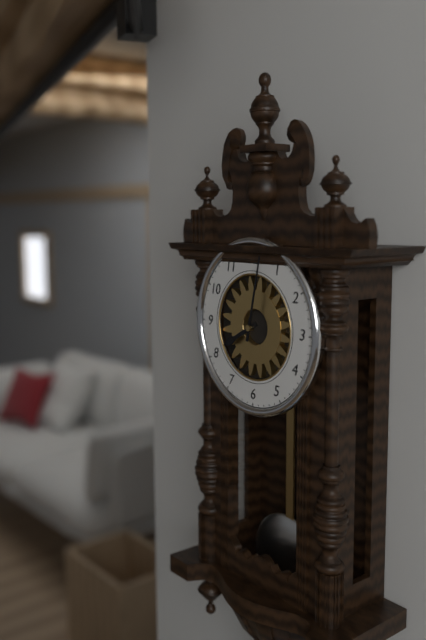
{"hour": 8, "minute": 2}
